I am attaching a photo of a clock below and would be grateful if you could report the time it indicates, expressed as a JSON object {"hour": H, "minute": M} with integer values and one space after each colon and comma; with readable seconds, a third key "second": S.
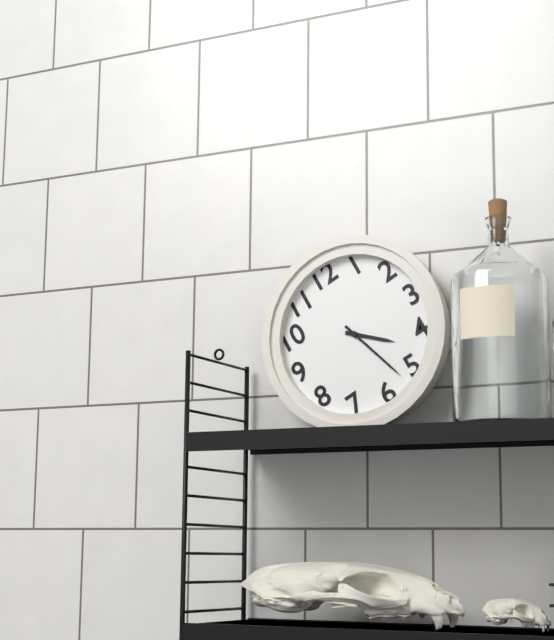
{"hour": 4, "minute": 27}
